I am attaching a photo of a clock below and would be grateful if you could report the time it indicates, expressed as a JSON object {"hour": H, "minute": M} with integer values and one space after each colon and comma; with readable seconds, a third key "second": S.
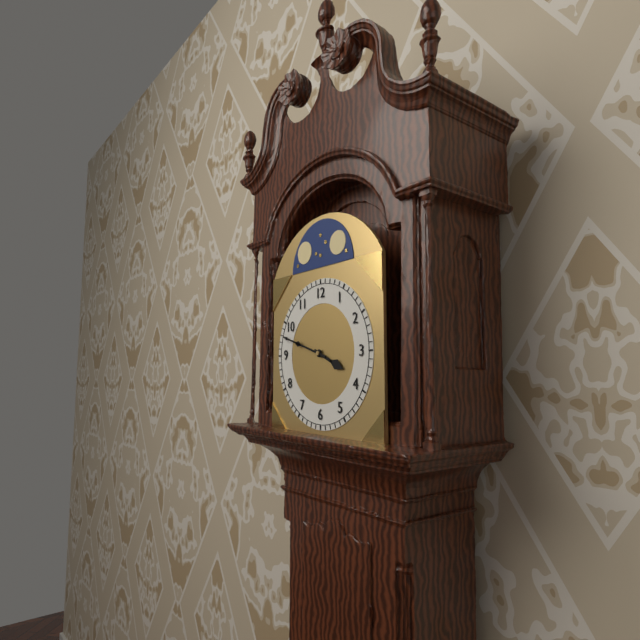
{"hour": 3, "minute": 48}
